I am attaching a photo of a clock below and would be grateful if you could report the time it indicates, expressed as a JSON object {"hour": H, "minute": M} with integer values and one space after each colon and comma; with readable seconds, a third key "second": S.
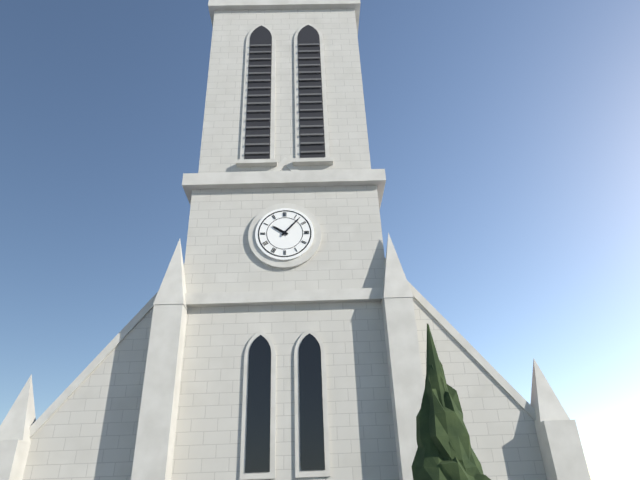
{"hour": 10, "minute": 7}
